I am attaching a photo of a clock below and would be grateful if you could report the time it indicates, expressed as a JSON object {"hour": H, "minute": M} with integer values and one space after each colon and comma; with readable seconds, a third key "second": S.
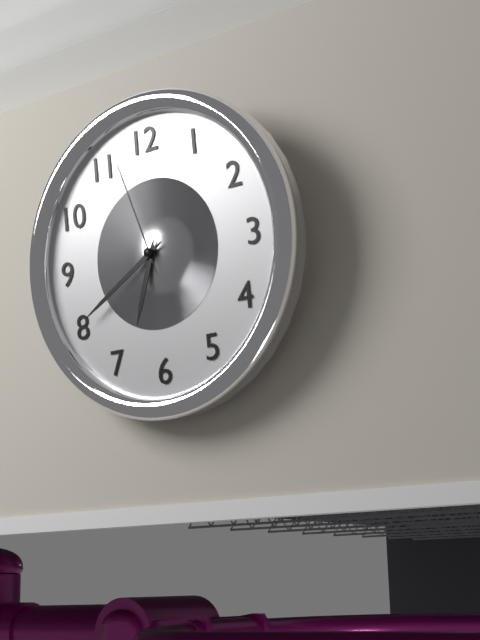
{"hour": 6, "minute": 40, "second": 57}
